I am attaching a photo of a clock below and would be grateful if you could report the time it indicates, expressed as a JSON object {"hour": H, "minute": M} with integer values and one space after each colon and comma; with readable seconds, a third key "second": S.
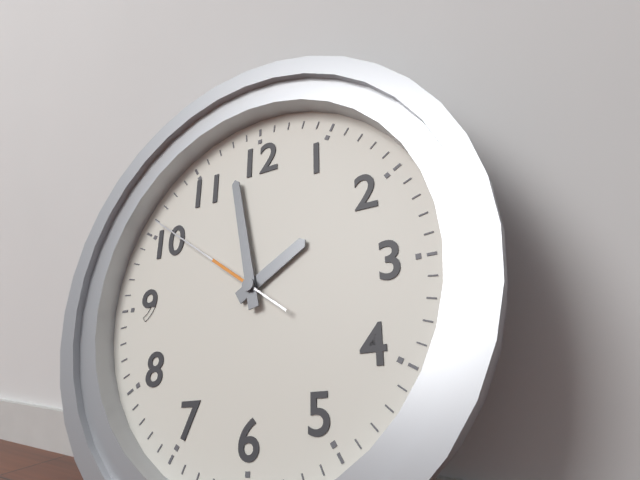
{"hour": 1, "minute": 58, "second": 51}
